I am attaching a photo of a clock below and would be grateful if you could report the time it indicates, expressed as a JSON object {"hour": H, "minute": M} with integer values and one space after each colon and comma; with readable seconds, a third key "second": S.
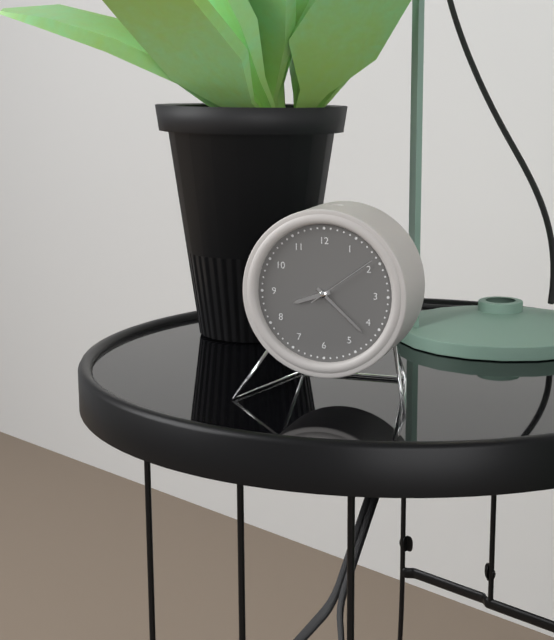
{"hour": 8, "minute": 22, "second": 9}
